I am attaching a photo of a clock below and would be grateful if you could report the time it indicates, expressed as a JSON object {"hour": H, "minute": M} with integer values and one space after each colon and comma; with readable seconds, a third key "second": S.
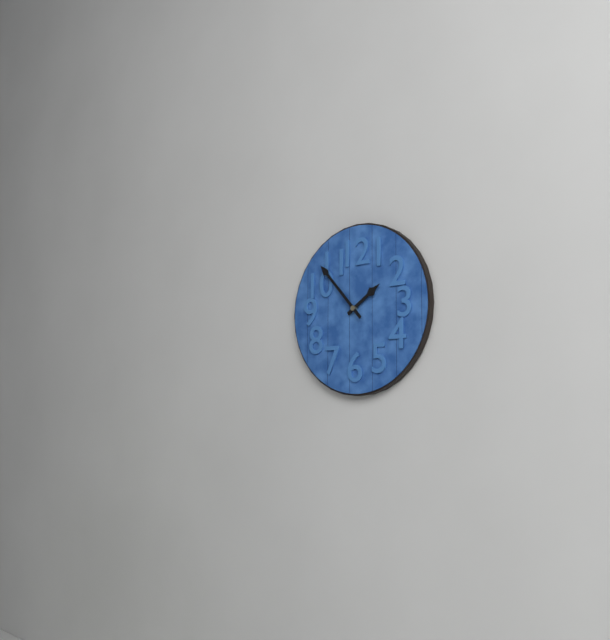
{"hour": 1, "minute": 53}
